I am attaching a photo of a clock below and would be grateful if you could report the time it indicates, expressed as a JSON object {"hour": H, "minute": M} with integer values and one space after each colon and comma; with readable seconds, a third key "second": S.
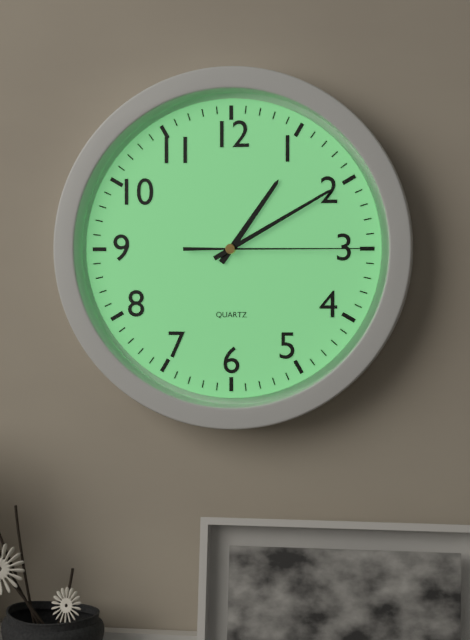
{"hour": 1, "minute": 10, "second": 15}
